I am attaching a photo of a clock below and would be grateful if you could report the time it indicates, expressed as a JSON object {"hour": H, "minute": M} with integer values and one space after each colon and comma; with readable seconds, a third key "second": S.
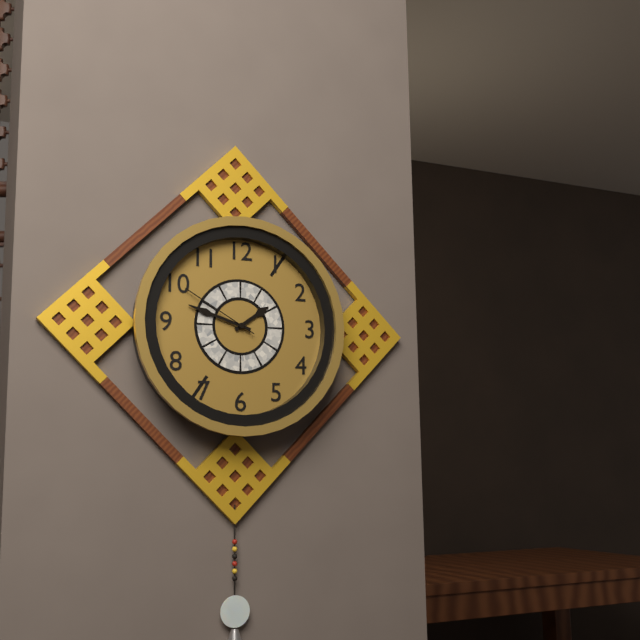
{"hour": 1, "minute": 48, "second": 50}
